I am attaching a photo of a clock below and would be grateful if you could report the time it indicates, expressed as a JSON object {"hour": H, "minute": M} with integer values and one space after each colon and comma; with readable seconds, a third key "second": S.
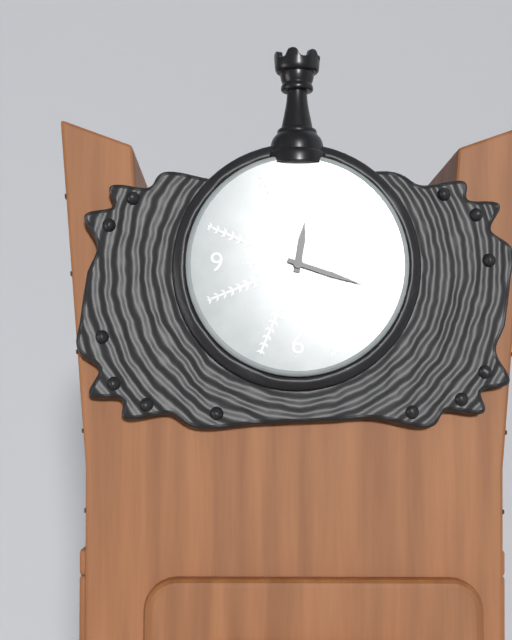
{"hour": 12, "minute": 18}
